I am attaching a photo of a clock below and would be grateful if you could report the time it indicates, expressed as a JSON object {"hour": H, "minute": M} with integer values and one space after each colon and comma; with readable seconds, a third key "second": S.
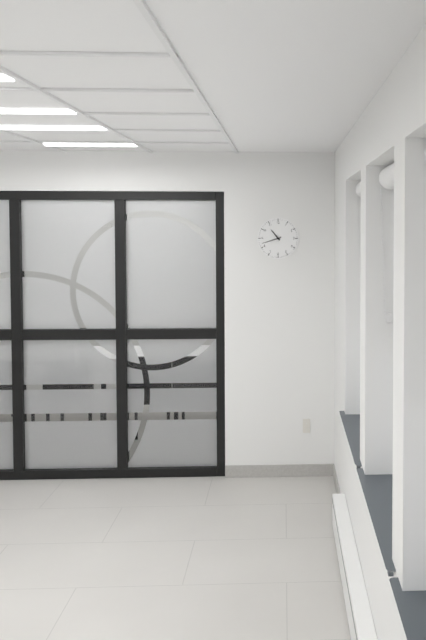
{"hour": 10, "minute": 42}
